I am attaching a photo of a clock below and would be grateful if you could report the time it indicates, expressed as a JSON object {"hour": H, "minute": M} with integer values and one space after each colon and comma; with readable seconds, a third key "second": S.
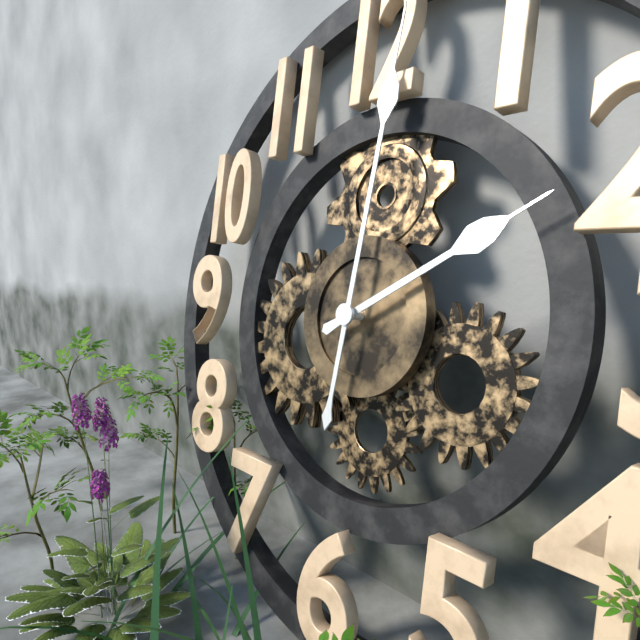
{"hour": 2, "minute": 1}
